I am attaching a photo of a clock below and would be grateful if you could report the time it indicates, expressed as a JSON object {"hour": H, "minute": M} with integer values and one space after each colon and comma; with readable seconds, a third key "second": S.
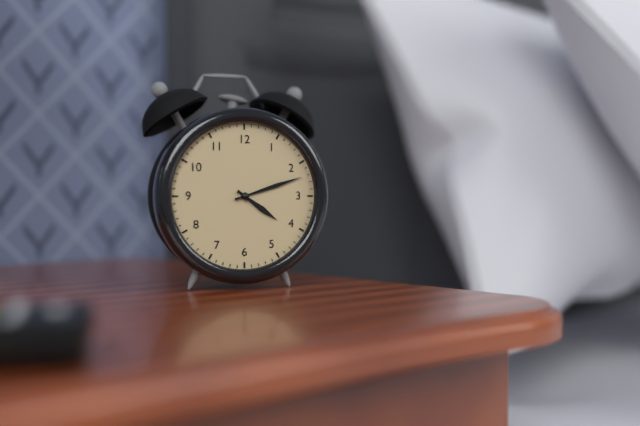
{"hour": 4, "minute": 12}
